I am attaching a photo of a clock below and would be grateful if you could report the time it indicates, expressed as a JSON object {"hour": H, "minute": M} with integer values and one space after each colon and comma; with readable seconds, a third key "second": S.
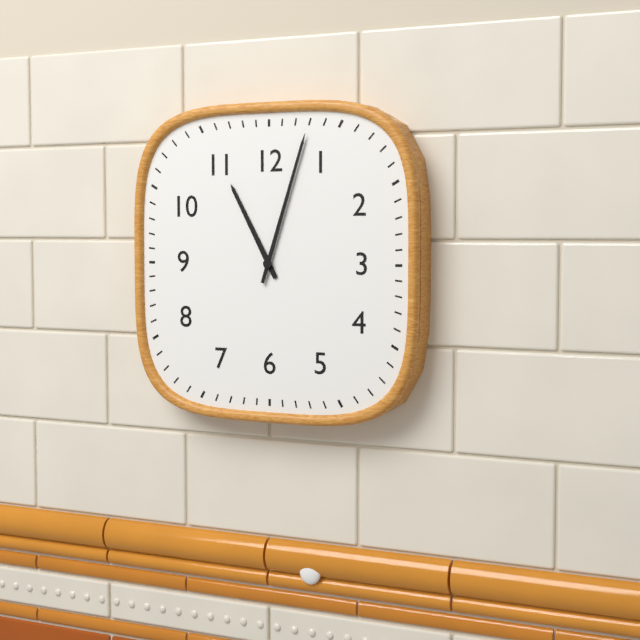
{"hour": 11, "minute": 3}
